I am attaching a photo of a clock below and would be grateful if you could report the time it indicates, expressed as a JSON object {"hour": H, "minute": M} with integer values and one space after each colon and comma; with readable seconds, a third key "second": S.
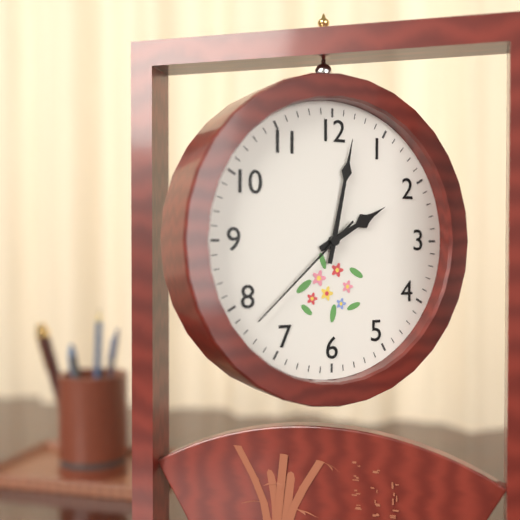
{"hour": 2, "minute": 2, "second": 38}
